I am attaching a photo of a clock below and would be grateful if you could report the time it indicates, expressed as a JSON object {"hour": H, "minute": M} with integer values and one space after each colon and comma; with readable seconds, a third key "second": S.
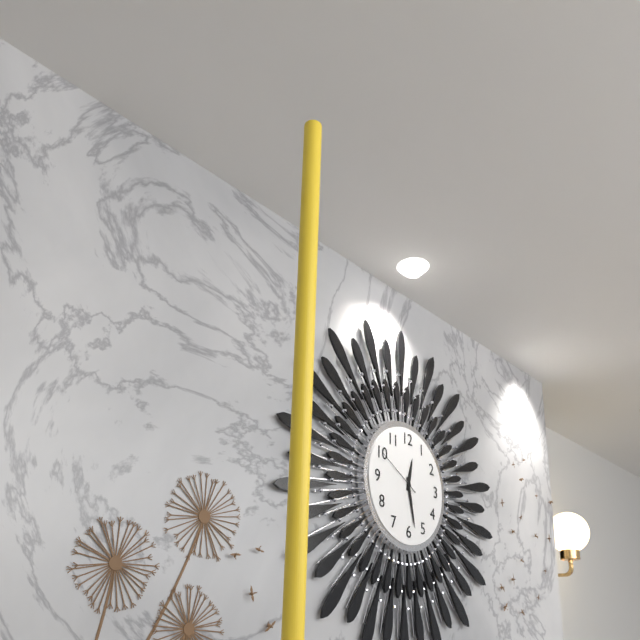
{"hour": 12, "minute": 28}
